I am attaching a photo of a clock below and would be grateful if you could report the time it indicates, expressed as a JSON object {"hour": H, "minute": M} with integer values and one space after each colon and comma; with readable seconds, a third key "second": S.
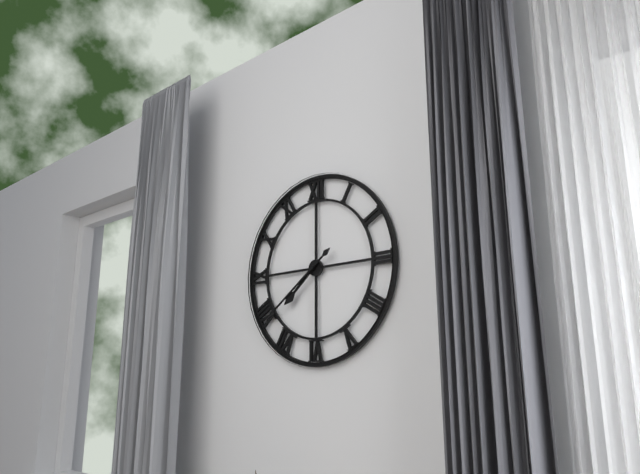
{"hour": 7, "minute": 39}
